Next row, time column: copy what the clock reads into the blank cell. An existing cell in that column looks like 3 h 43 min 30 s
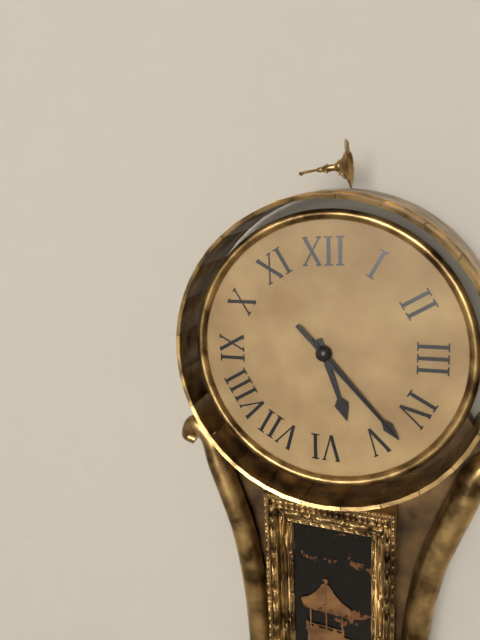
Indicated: 5 h 23 min 23 s
